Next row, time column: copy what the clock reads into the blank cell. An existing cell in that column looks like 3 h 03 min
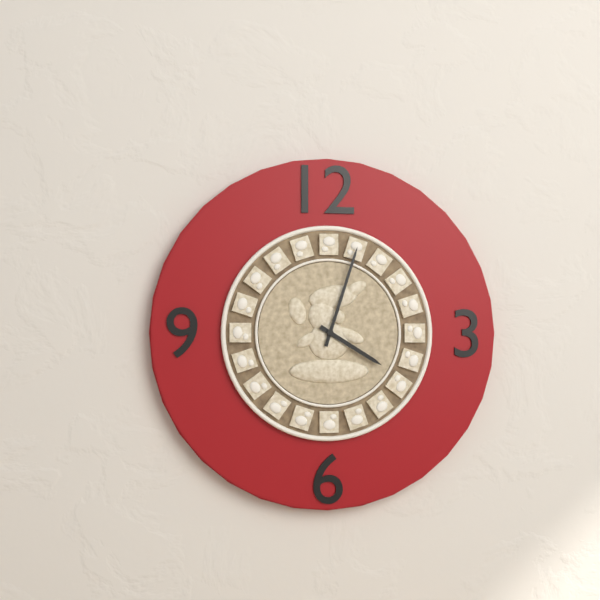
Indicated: 4 h 03 min
